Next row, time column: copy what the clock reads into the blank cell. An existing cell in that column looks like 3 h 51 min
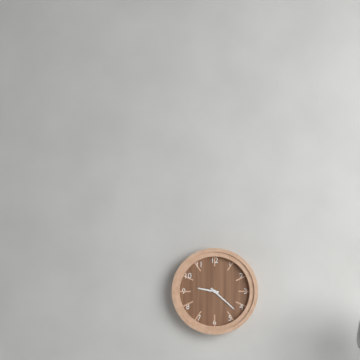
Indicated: 9 h 22 min
